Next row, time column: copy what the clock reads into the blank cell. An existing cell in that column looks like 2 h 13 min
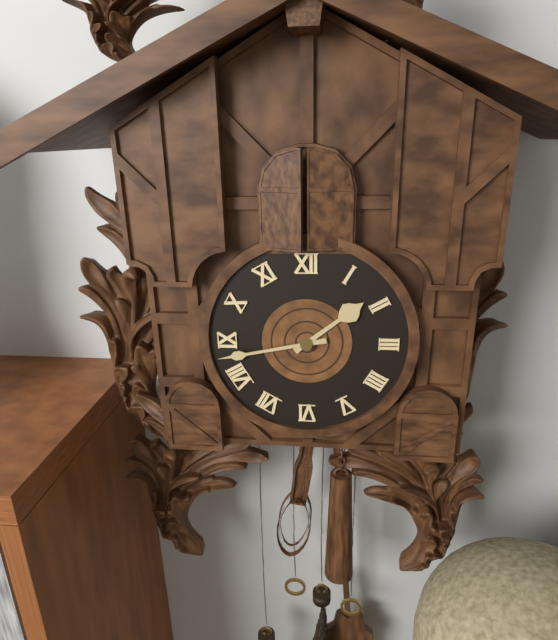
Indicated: 1 h 43 min
